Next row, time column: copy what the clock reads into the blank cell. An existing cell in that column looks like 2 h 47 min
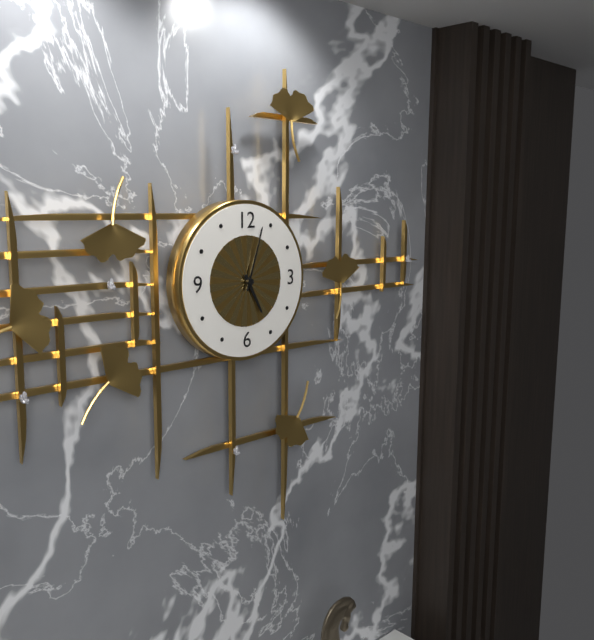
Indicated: 5 h 03 min
